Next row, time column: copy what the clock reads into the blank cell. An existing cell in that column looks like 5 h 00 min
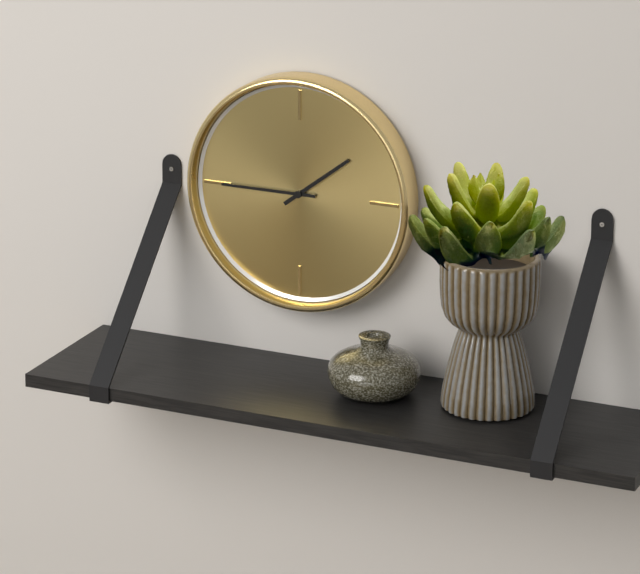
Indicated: 1 h 45 min
